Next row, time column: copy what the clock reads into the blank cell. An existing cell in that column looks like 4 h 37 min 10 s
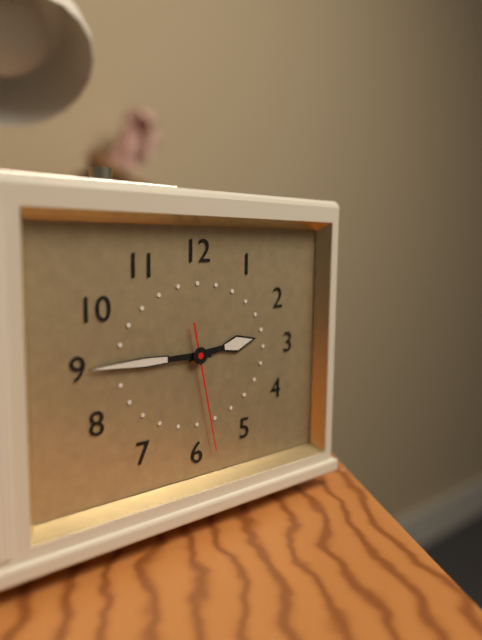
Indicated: 2 h 45 min 28 s
